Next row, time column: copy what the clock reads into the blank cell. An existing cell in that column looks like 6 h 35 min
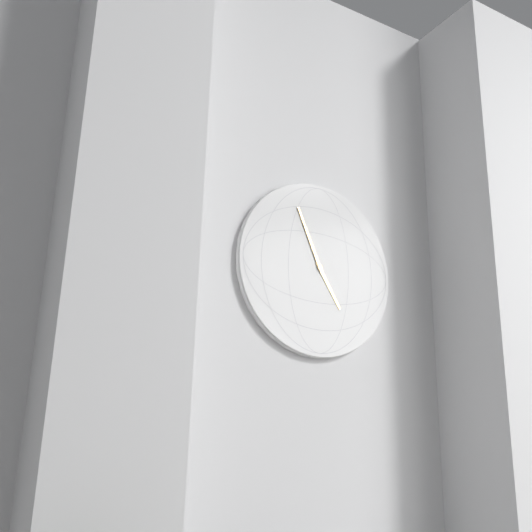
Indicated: 4 h 56 min
